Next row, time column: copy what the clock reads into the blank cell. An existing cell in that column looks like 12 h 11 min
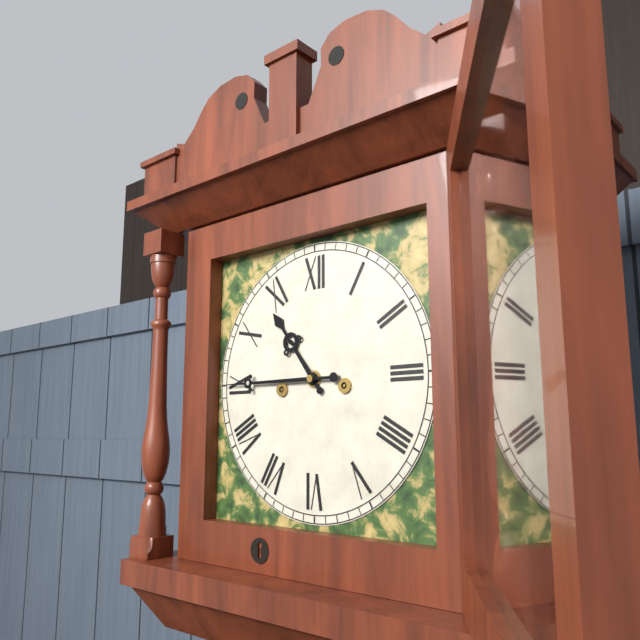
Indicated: 10 h 45 min
